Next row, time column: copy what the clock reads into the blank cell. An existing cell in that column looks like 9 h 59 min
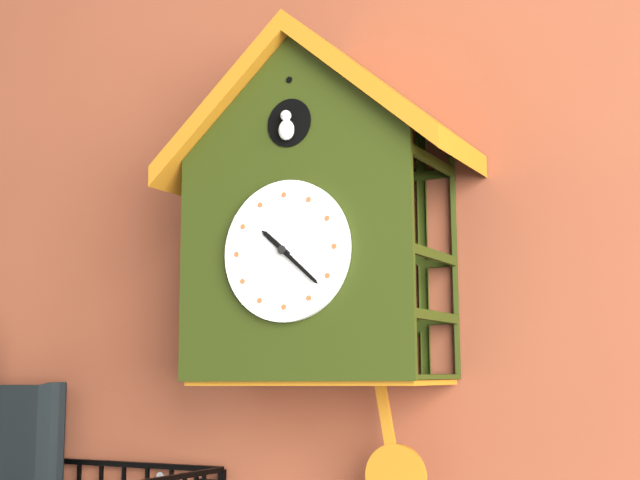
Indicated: 10 h 22 min
